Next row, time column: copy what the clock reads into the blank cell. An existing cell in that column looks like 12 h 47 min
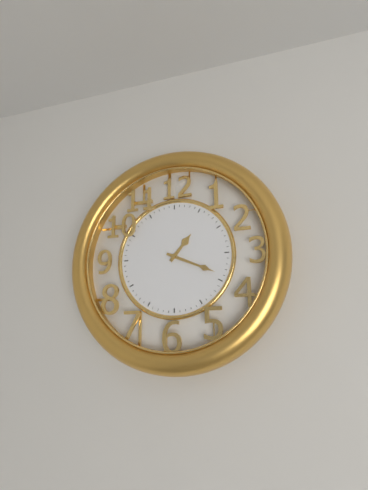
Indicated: 1 h 19 min
